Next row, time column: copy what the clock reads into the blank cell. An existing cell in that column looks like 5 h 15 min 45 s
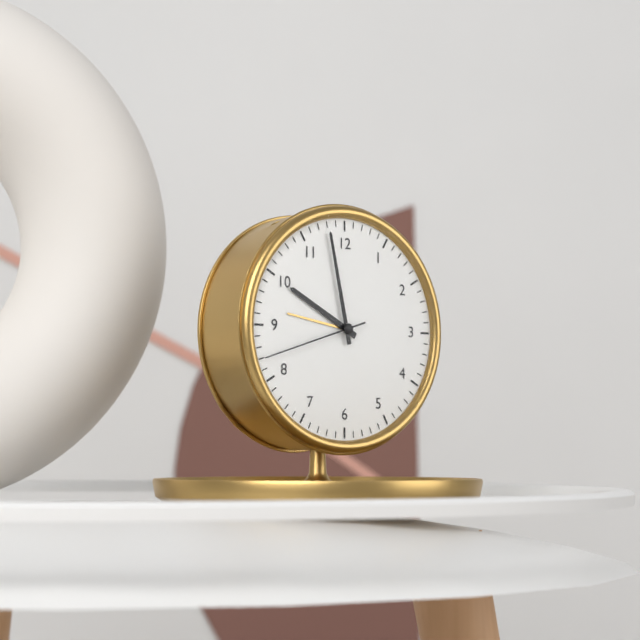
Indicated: 9 h 58 min 42 s
